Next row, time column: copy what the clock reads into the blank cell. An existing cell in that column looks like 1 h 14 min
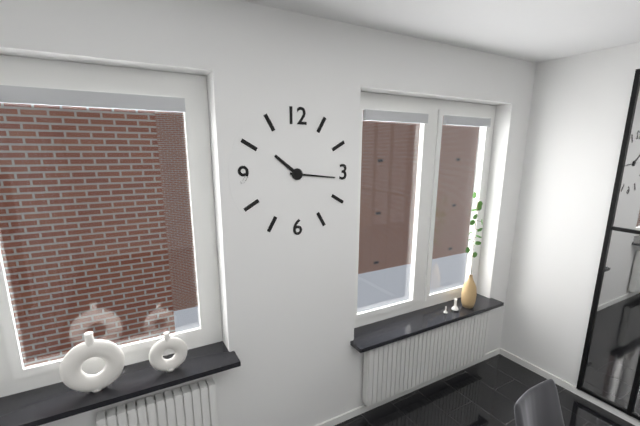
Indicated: 10 h 16 min
